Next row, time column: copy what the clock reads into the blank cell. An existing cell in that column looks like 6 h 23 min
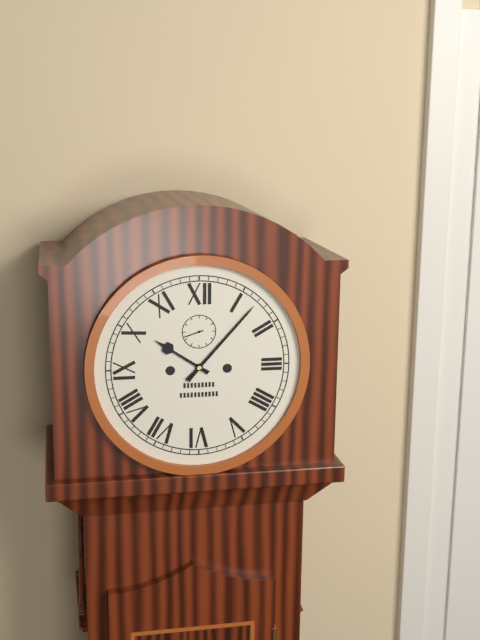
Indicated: 10 h 07 min
